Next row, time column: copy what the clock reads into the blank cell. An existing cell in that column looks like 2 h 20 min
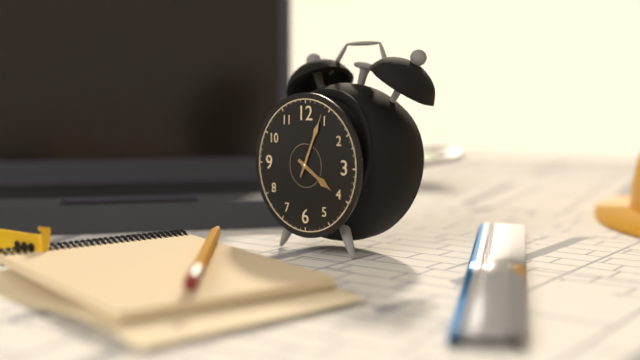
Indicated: 4 h 04 min
